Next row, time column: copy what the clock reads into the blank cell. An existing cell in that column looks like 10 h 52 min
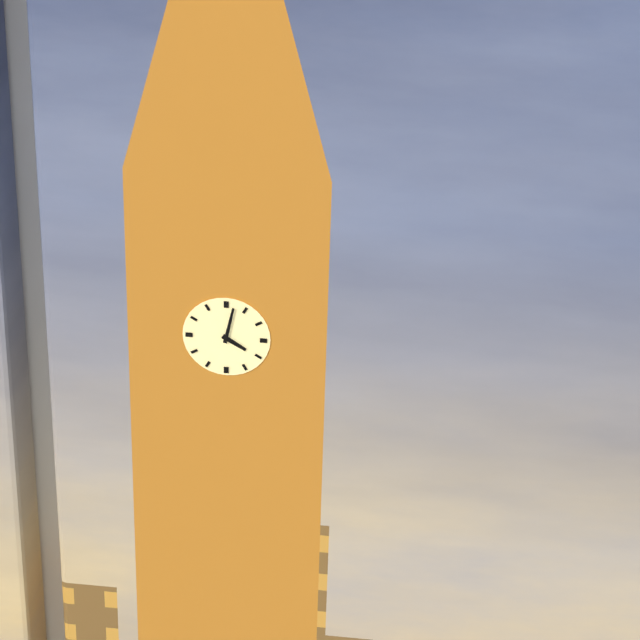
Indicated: 4 h 02 min
